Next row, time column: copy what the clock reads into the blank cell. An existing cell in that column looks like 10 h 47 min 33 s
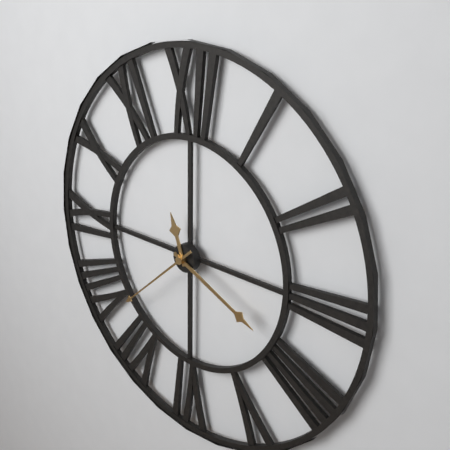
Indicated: 11 h 19 min 38 s
